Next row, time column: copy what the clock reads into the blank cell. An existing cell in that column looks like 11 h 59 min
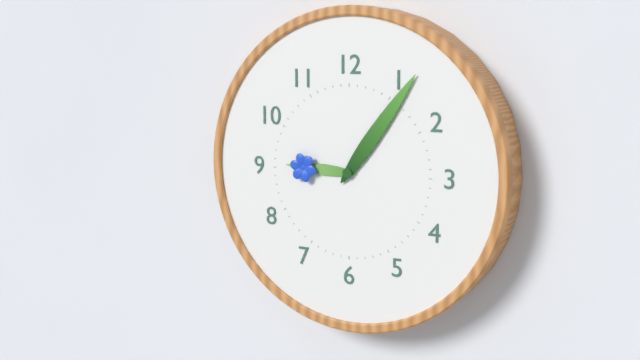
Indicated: 9 h 06 min
